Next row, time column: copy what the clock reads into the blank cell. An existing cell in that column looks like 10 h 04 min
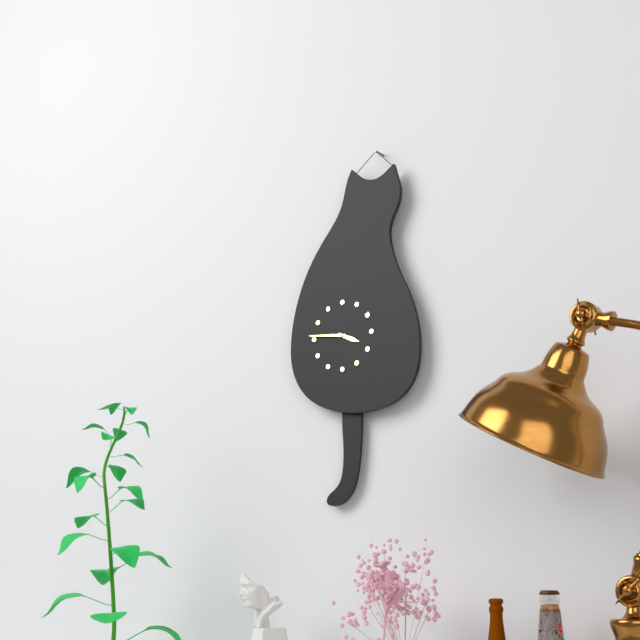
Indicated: 3 h 46 min
